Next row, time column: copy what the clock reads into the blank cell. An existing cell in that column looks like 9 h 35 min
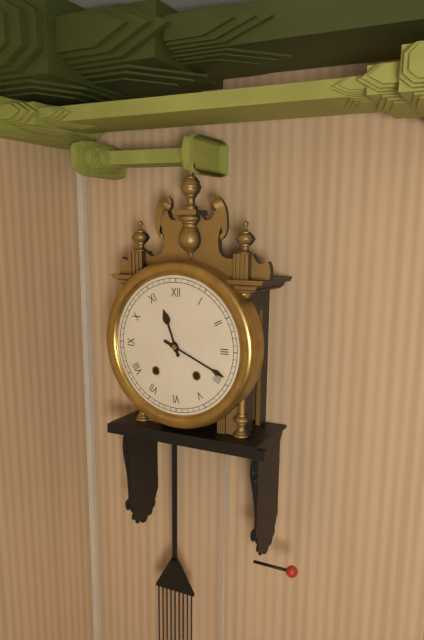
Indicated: 11 h 19 min
